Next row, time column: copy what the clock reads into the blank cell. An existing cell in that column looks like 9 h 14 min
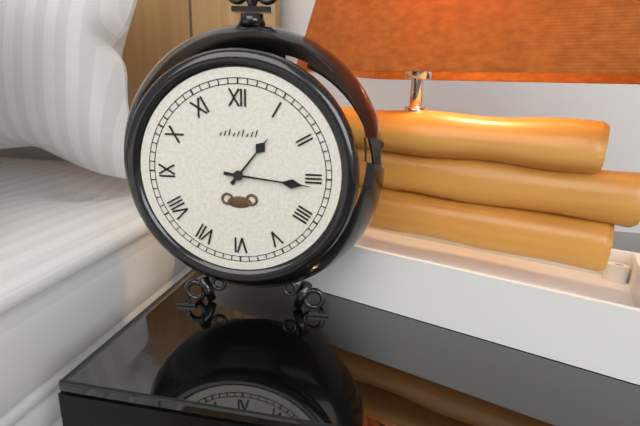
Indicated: 1 h 16 min
